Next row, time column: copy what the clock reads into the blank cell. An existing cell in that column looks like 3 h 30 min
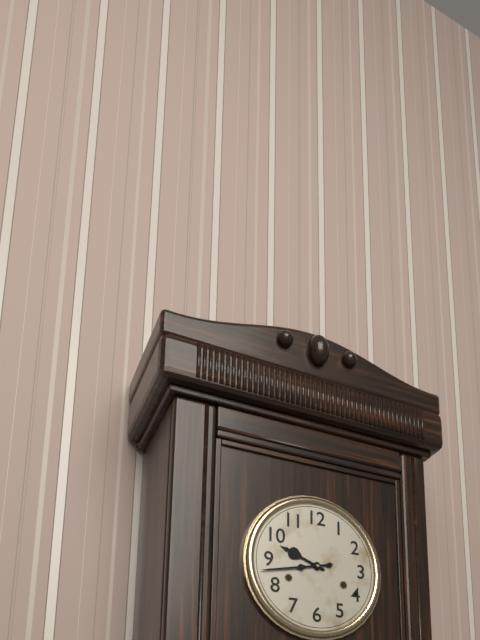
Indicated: 9 h 43 min
